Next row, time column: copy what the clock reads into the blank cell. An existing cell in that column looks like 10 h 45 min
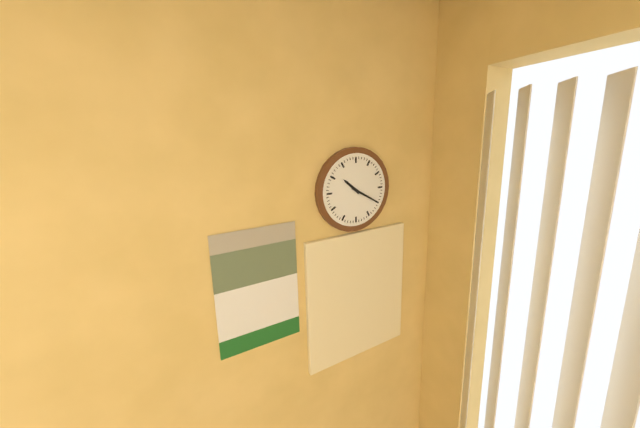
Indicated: 10 h 20 min
